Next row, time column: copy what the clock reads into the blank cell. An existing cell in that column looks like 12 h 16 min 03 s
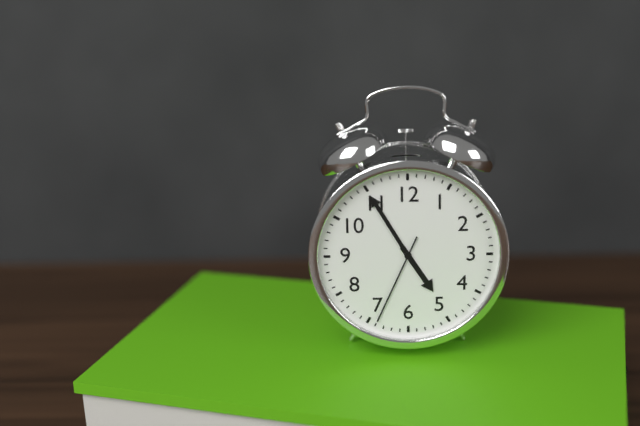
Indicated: 4 h 55 min 34 s
